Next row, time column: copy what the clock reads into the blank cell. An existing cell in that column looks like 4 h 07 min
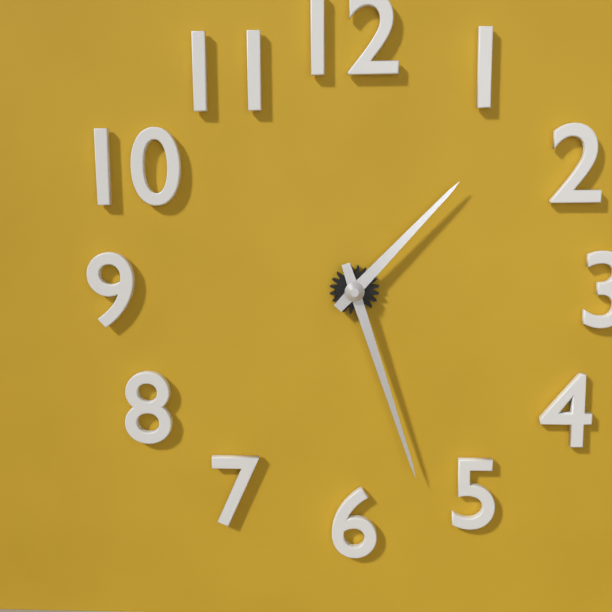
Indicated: 1 h 27 min
